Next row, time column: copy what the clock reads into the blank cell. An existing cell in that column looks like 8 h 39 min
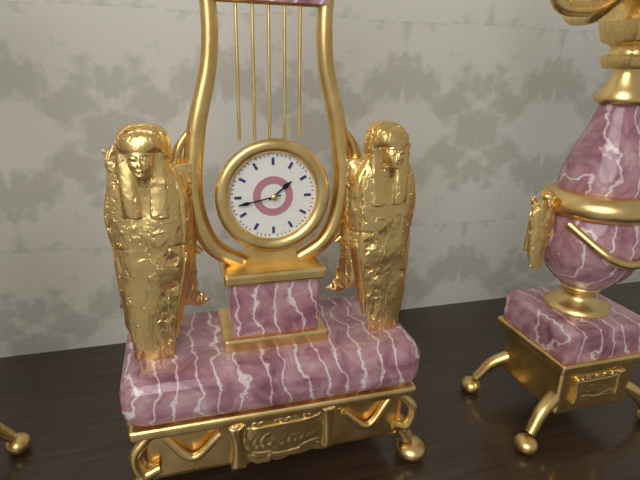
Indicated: 1 h 43 min
